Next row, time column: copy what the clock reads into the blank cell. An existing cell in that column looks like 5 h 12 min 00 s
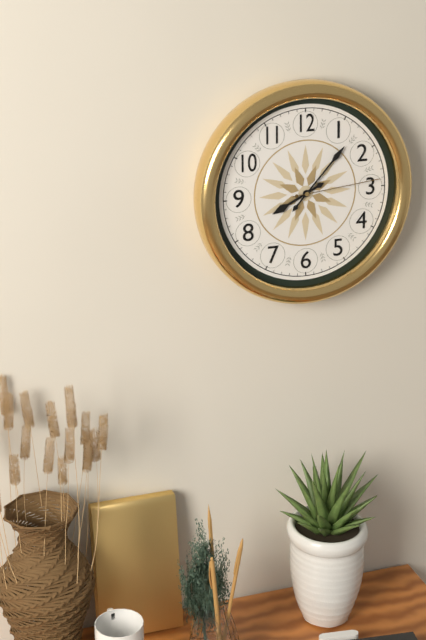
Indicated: 8 h 07 min 14 s
